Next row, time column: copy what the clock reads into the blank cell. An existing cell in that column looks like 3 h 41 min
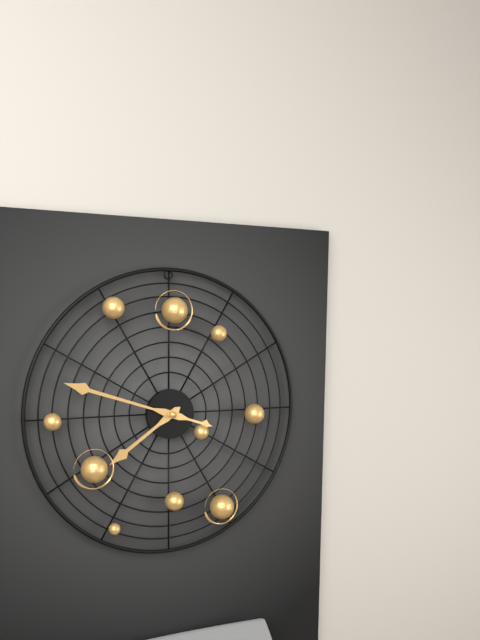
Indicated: 7 h 48 min
